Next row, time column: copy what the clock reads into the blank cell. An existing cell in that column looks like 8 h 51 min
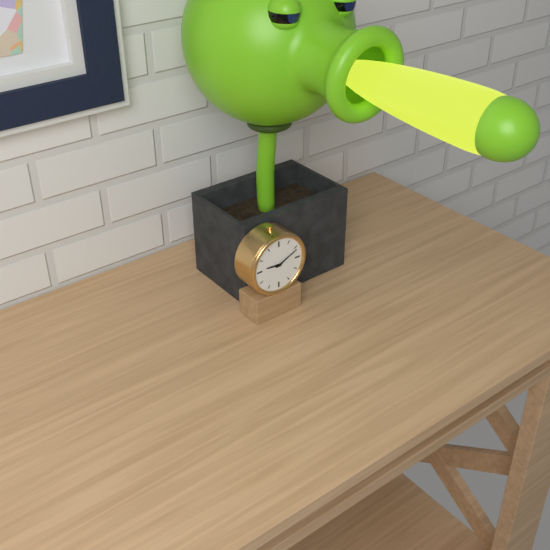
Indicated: 9 h 11 min
